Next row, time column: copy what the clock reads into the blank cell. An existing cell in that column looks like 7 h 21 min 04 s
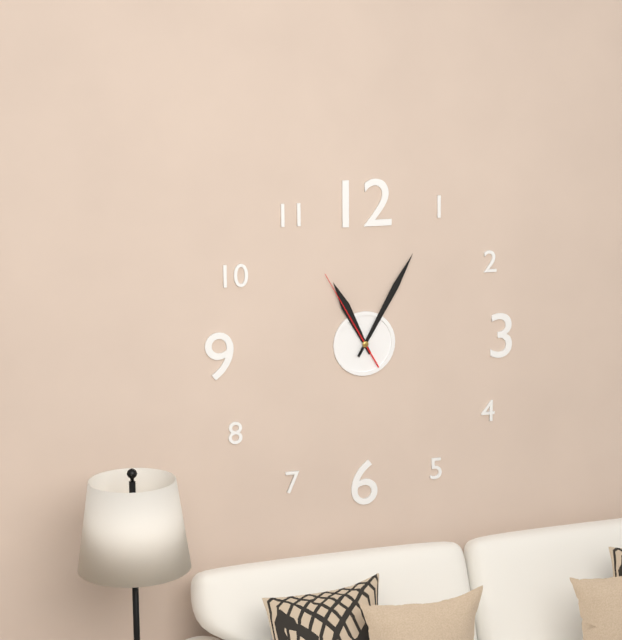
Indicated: 11 h 05 min 55 s
